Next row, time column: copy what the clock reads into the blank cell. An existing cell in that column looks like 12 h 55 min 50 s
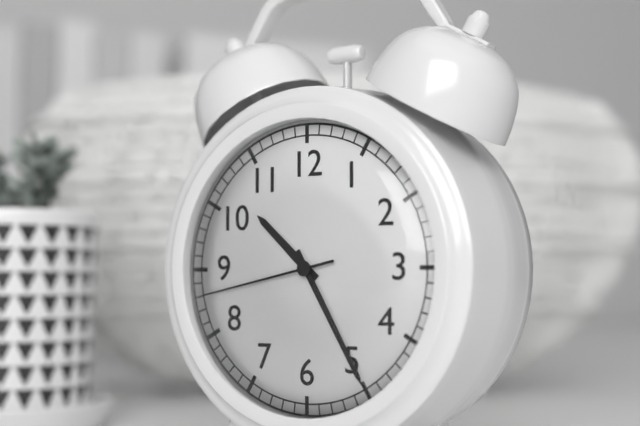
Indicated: 10 h 25 min 43 s
